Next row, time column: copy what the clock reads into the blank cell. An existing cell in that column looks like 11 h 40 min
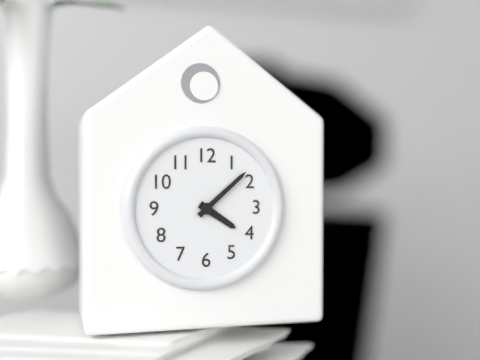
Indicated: 4 h 08 min
